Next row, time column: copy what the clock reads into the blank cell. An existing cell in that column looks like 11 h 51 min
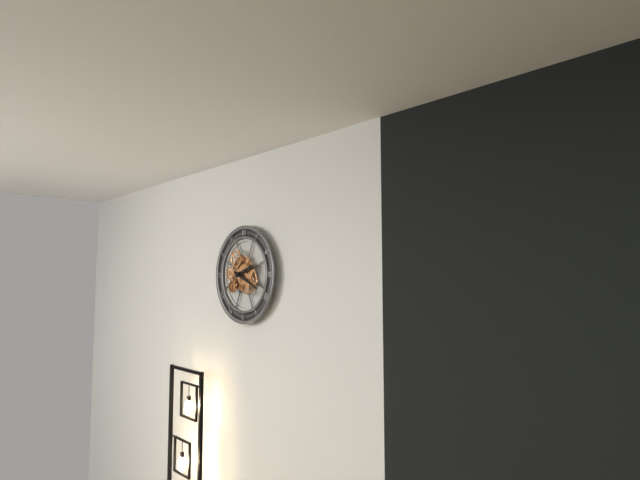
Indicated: 2 h 19 min
